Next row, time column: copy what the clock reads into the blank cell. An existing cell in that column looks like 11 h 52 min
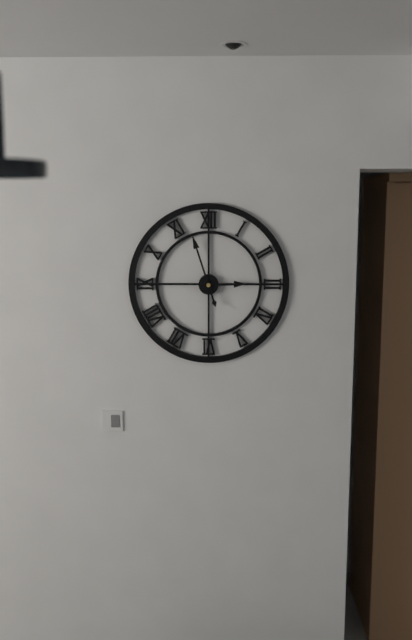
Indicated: 2 h 57 min
